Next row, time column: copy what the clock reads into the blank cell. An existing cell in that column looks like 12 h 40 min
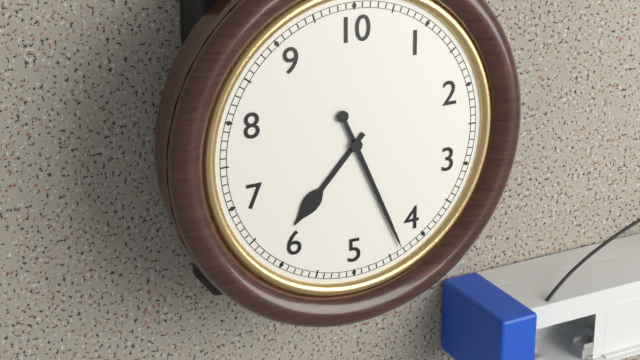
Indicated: 7 h 26 min
